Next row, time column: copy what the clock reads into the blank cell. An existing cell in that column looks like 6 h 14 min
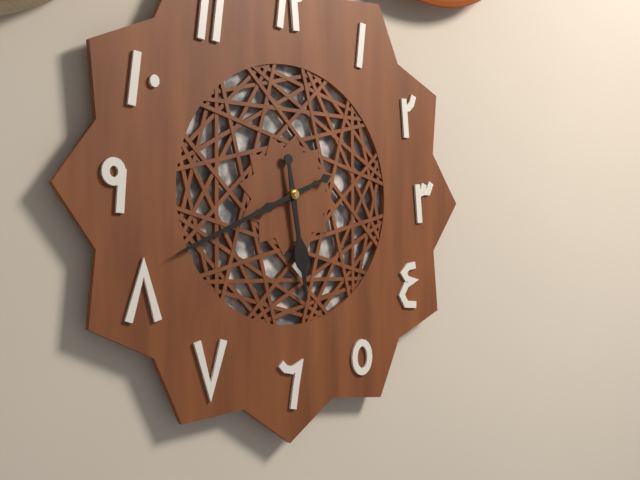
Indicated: 5 h 41 min
